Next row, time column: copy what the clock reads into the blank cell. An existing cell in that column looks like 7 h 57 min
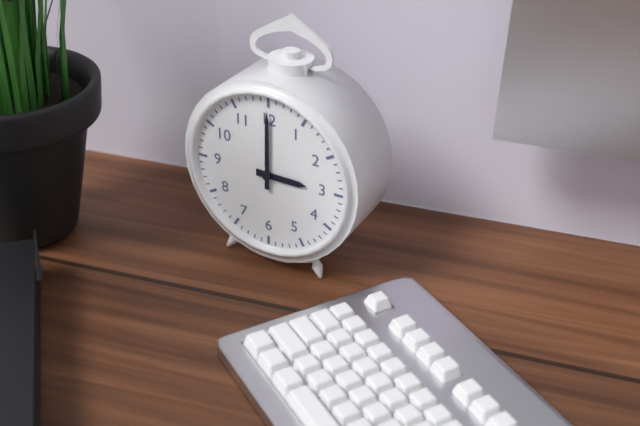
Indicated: 3 h 00 min
